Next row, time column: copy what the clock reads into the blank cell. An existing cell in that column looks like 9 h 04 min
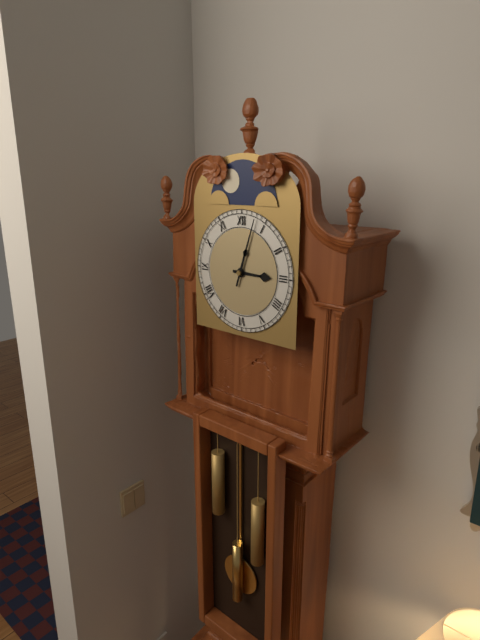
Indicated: 3 h 03 min
